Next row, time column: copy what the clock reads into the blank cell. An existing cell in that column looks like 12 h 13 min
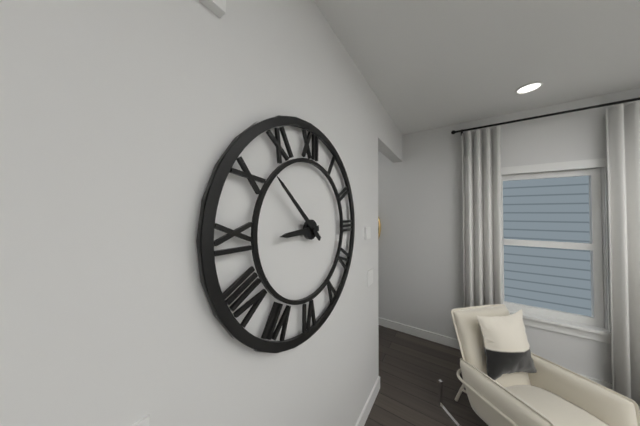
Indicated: 8 h 52 min
